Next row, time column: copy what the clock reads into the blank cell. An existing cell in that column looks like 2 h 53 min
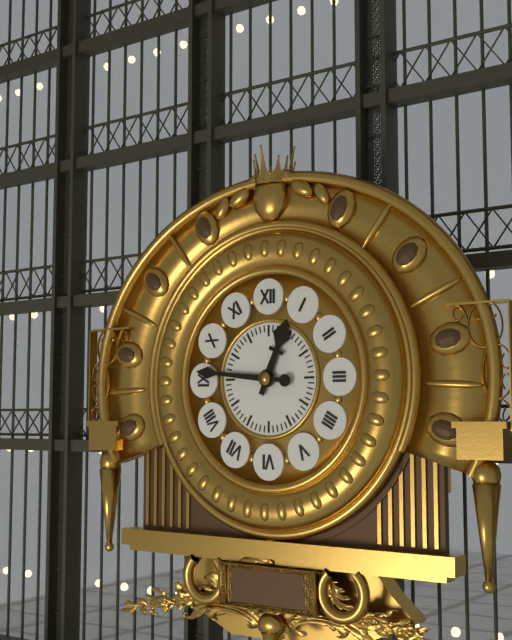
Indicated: 12 h 46 min
